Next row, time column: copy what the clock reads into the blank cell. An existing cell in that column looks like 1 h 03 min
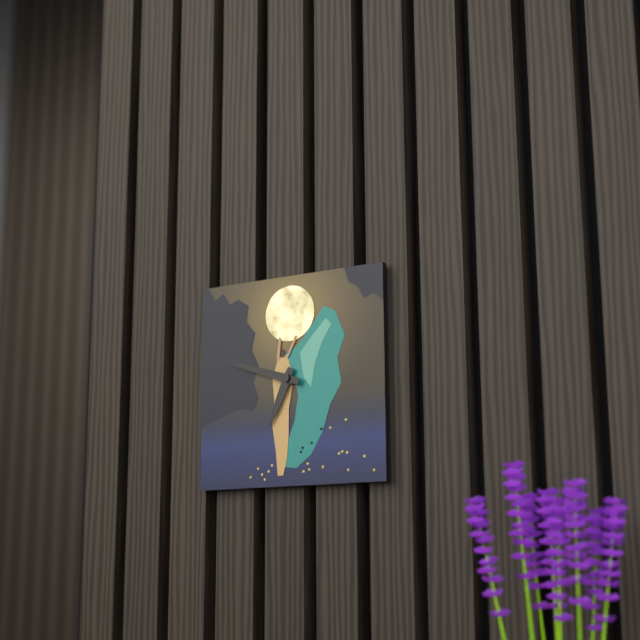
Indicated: 6 h 48 min
